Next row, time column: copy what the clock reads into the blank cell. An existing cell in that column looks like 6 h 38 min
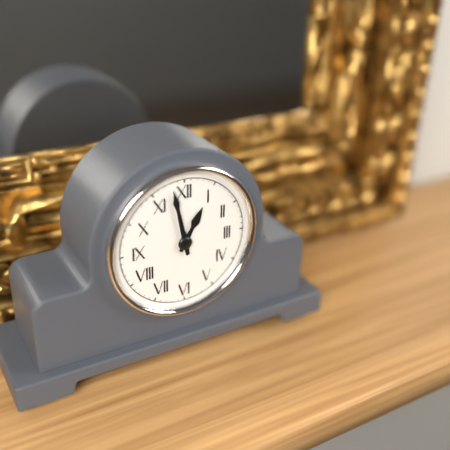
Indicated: 12 h 58 min
